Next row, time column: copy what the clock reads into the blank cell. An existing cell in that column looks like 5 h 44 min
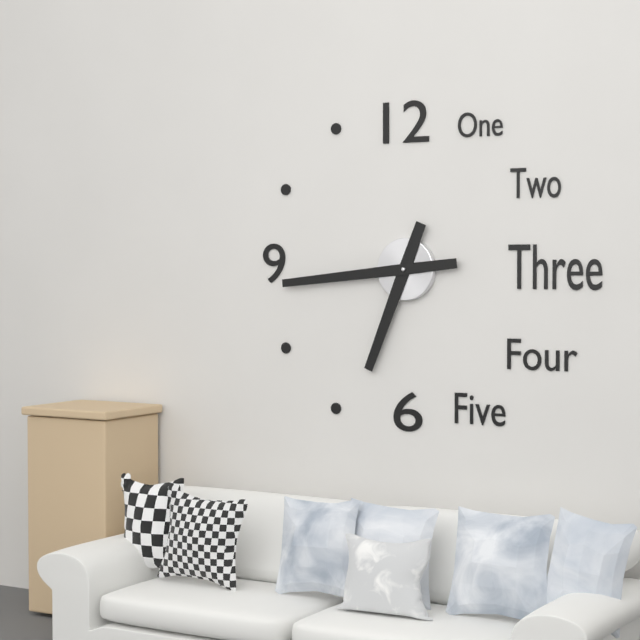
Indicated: 6 h 44 min
